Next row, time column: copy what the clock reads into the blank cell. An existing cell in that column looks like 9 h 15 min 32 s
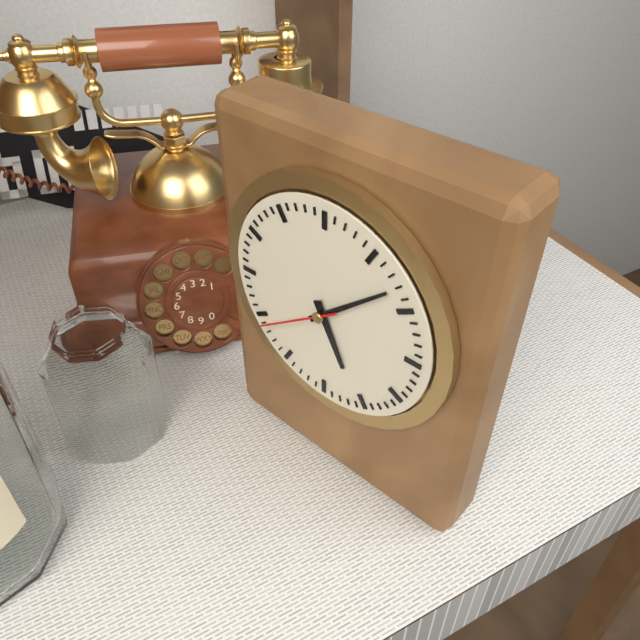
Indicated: 5 h 08 min 39 s
